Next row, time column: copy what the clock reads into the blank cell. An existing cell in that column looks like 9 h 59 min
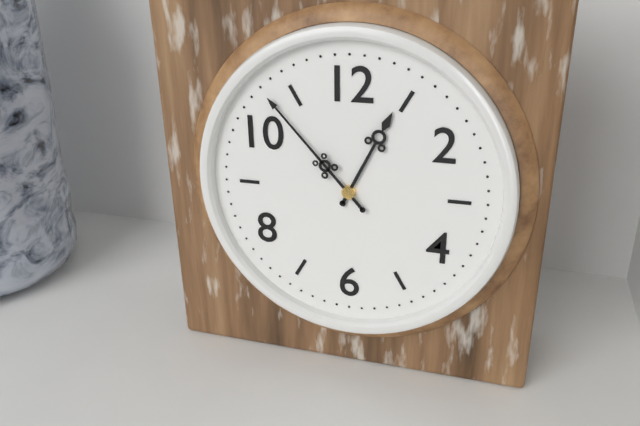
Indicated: 12 h 53 min
